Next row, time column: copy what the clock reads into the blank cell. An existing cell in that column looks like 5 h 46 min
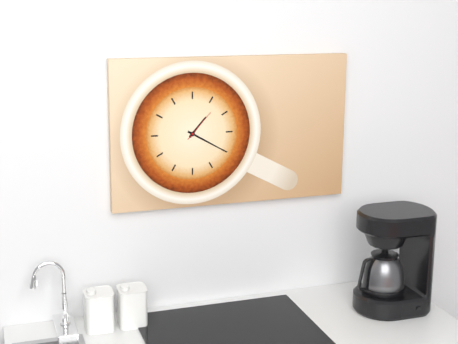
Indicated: 1 h 20 min
